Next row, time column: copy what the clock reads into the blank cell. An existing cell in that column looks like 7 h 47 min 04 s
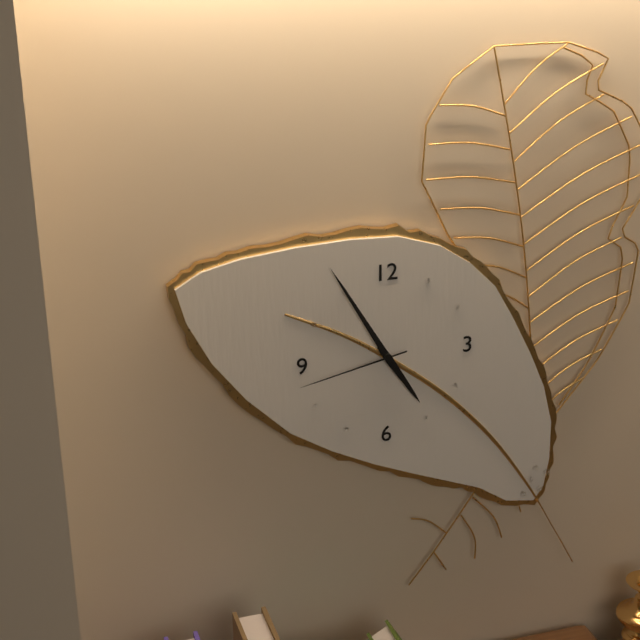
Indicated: 4 h 55 min 43 s
